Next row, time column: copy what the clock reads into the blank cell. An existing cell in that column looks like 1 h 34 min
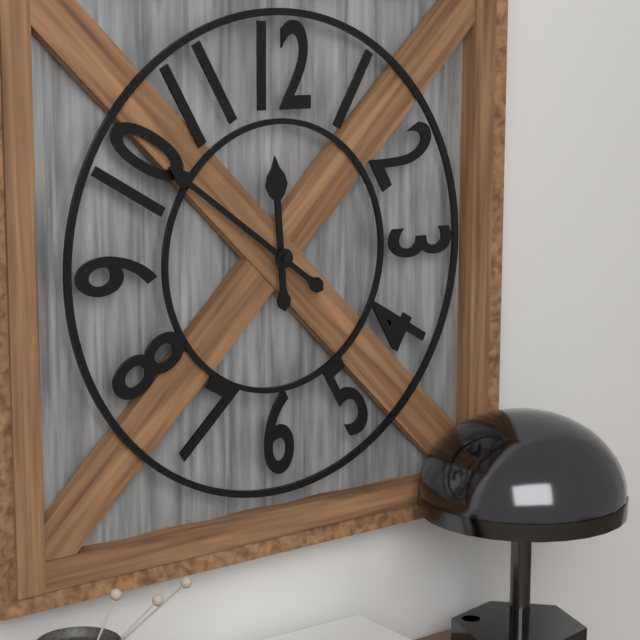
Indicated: 11 h 51 min
